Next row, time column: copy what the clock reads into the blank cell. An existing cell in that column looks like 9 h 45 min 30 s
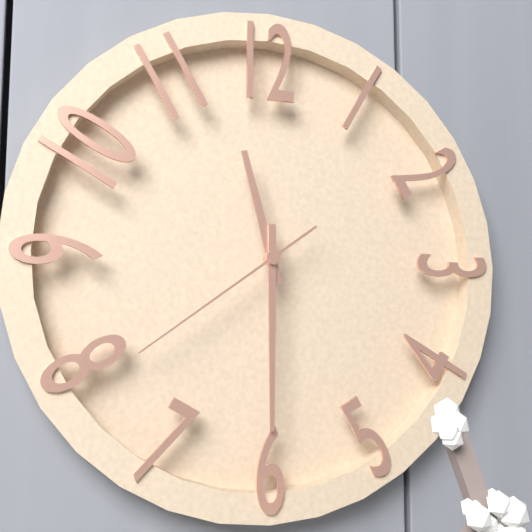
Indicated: 11 h 30 min 39 s
